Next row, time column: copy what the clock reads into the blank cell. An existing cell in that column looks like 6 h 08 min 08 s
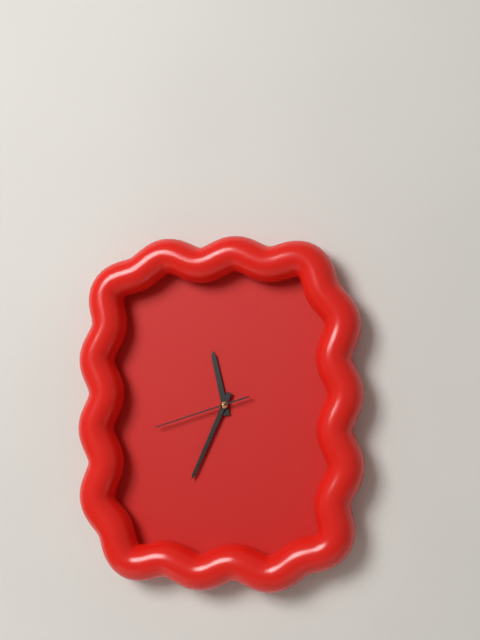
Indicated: 11 h 34 min 42 s
